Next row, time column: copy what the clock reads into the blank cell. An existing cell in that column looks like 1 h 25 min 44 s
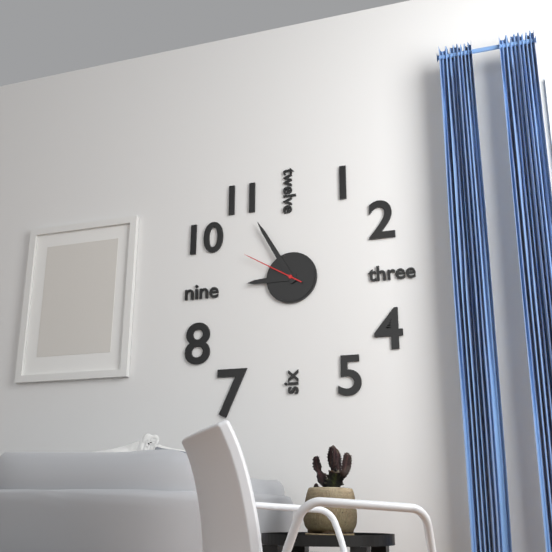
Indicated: 8 h 55 min 50 s
